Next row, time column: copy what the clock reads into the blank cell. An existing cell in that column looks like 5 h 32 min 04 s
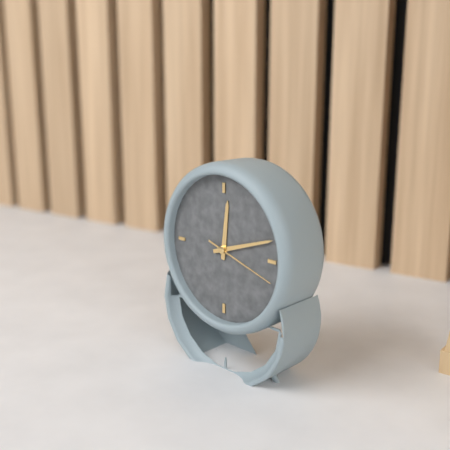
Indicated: 12 h 12 min 18 s
